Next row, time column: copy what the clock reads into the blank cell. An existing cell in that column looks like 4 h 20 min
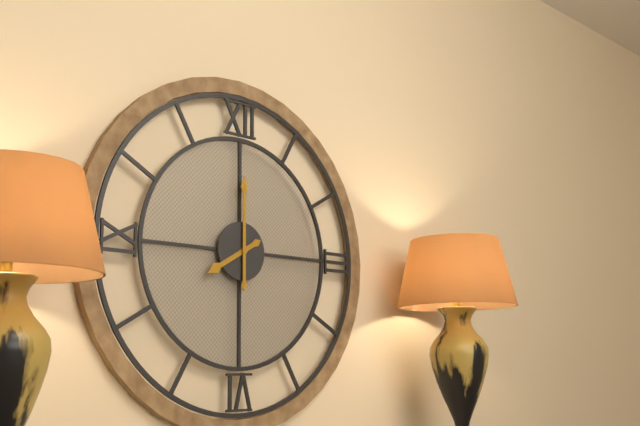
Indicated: 8 h 00 min
